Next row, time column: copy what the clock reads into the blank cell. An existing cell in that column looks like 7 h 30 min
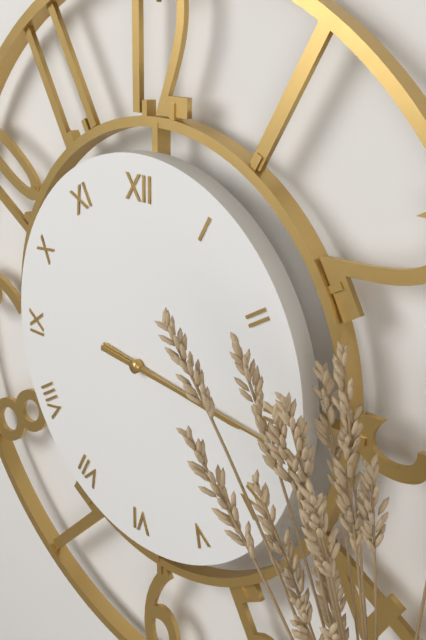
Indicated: 3 h 16 min
